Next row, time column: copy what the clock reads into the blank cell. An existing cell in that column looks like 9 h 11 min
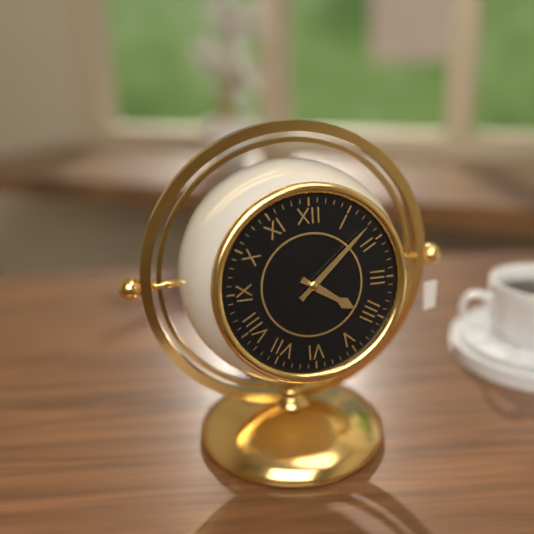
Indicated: 4 h 08 min
